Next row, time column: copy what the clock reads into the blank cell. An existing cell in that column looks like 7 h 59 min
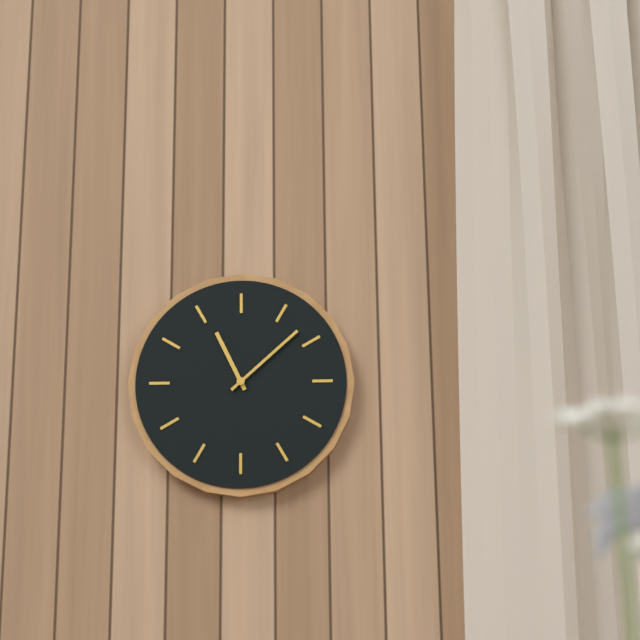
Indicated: 11 h 08 min
